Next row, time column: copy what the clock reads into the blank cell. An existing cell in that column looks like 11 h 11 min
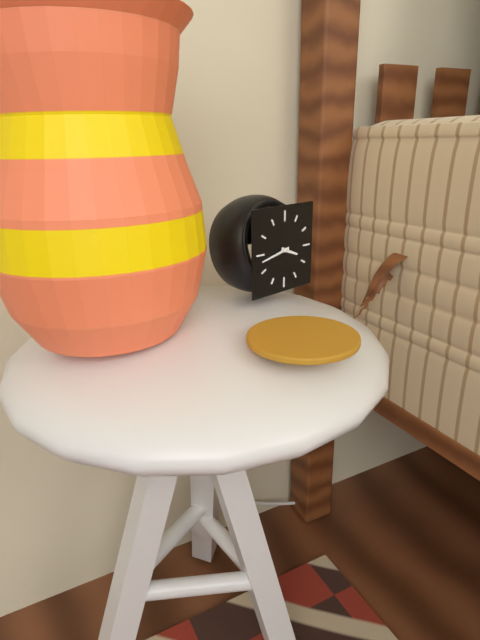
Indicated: 3 h 43 min
